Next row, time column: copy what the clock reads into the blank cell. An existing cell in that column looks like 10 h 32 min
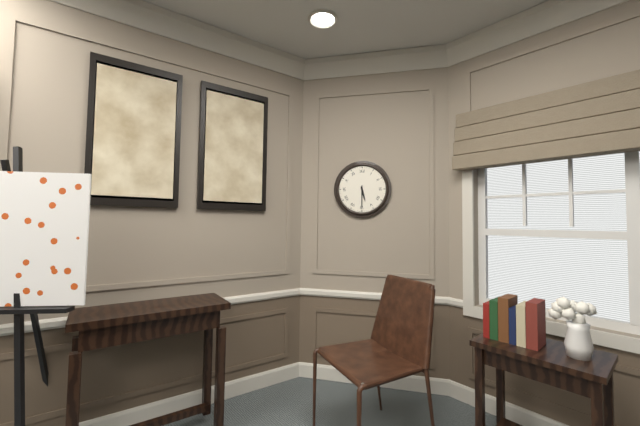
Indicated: 5 h 30 min
